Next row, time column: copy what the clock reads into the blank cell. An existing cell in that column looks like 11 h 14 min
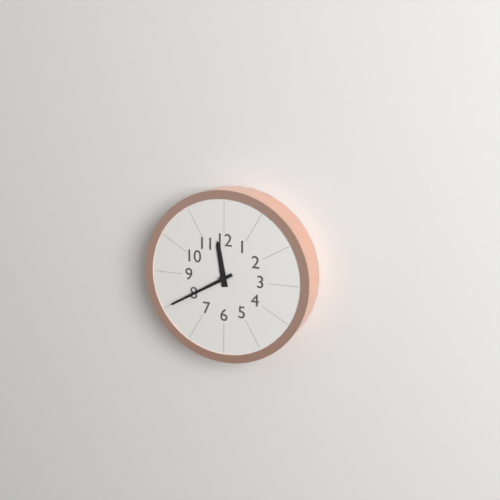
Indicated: 11 h 40 min
